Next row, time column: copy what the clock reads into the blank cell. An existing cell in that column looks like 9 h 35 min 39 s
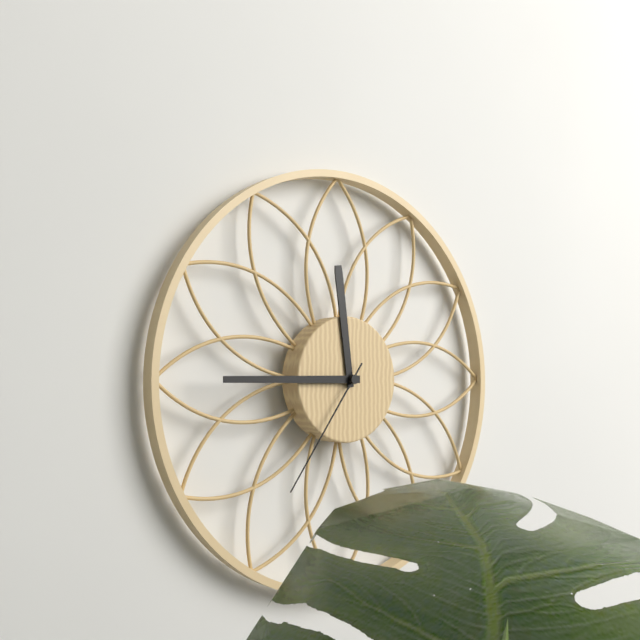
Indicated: 11 h 45 min 36 s
